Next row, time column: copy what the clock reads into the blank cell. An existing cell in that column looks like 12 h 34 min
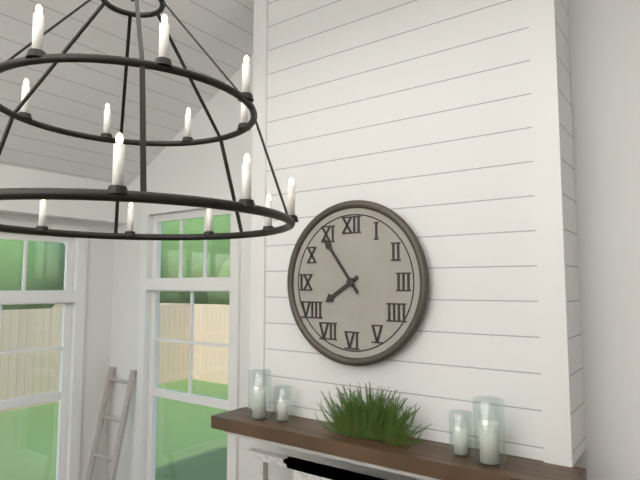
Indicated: 7 h 54 min
